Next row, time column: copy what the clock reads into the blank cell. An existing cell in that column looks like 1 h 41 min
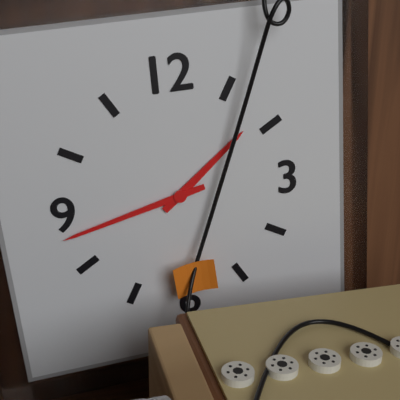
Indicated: 1 h 43 min
